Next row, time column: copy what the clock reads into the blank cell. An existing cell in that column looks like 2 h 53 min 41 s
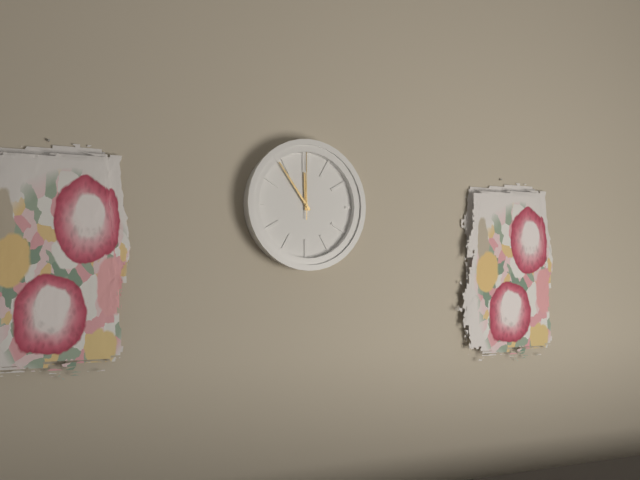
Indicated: 11 h 54 min 00 s
